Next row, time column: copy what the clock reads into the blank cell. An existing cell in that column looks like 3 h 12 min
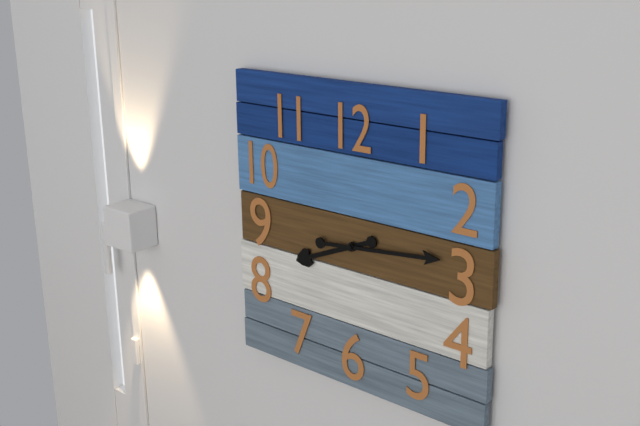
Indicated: 8 h 14 min
